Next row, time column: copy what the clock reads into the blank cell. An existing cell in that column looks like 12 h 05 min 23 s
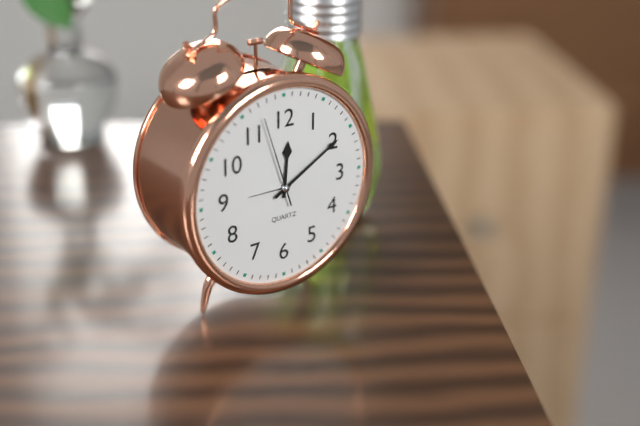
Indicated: 12 h 10 min 57 s
